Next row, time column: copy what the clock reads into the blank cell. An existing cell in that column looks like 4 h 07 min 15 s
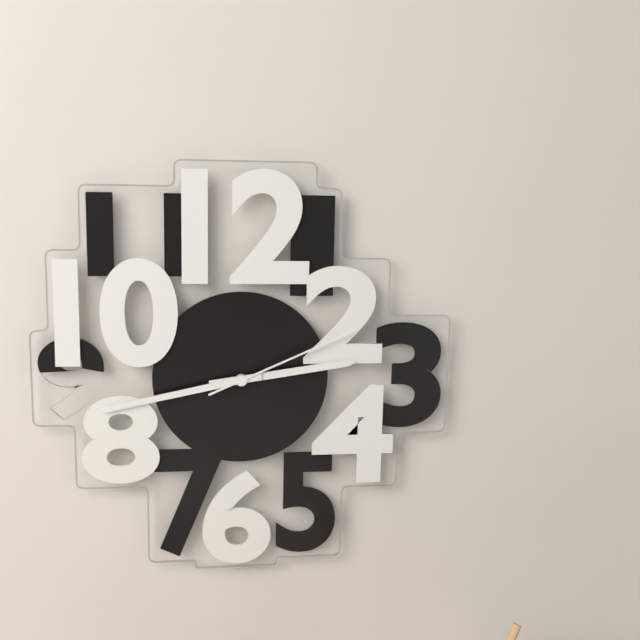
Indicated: 2 h 43 min 11 s
